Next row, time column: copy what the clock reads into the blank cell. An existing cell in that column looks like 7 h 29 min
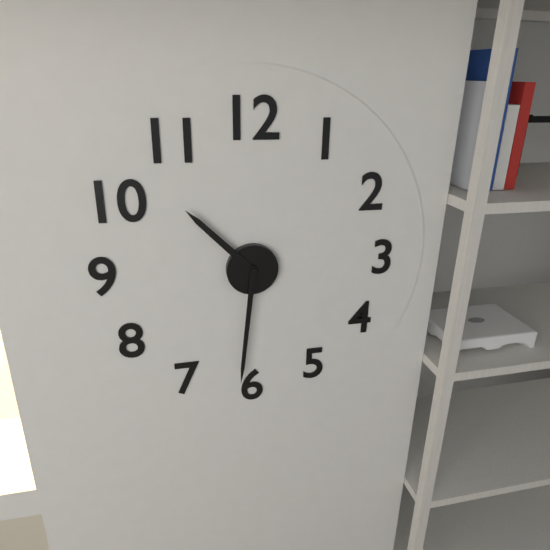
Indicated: 10 h 31 min
